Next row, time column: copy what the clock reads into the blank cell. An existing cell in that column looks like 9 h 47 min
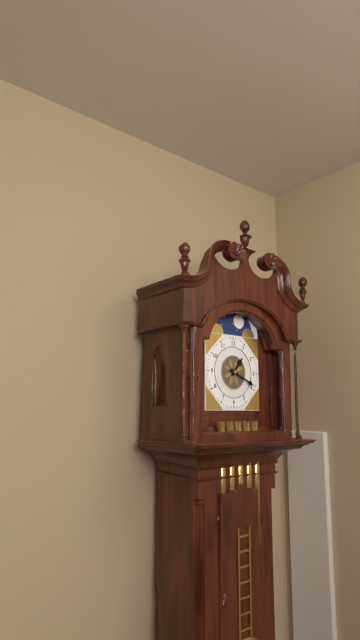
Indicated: 1 h 19 min
